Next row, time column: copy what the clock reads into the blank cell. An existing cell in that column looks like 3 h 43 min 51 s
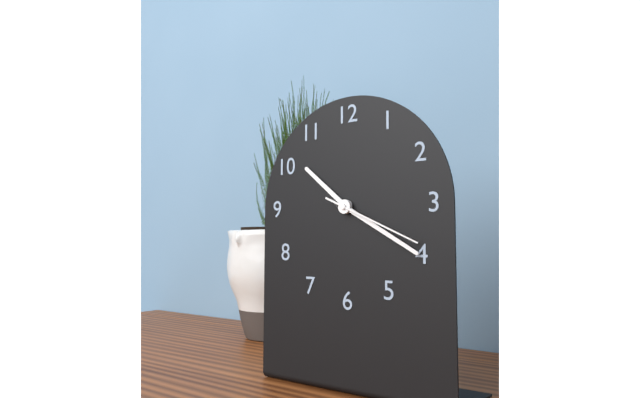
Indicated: 10 h 20 min 19 s
